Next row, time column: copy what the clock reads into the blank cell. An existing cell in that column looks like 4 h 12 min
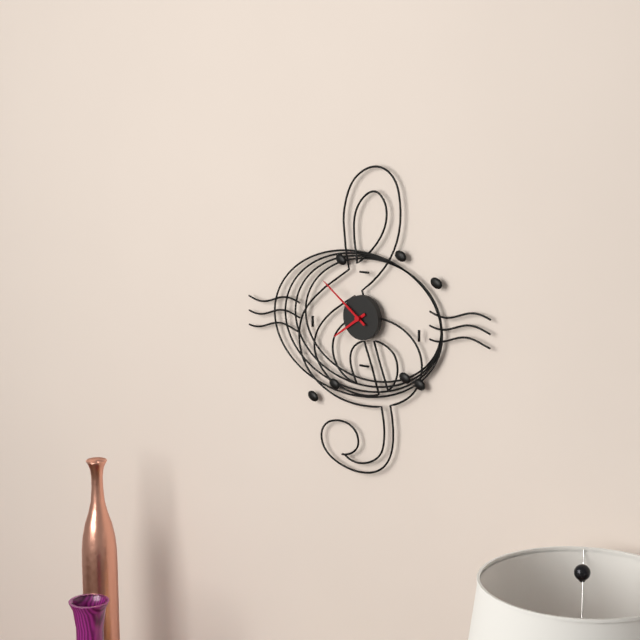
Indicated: 7 h 51 min
